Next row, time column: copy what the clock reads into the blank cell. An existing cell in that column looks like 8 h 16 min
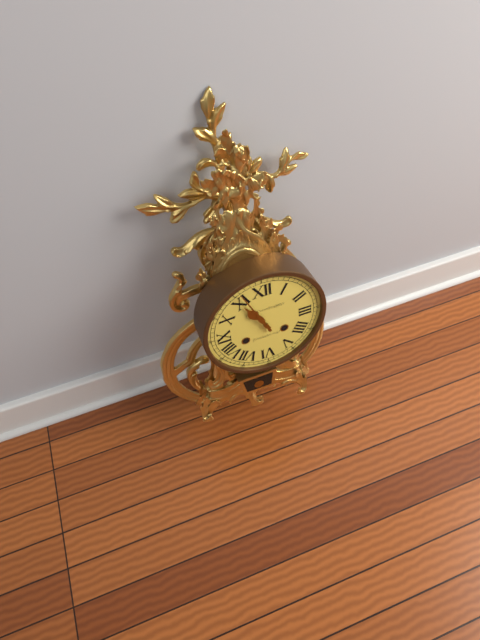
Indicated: 10 h 56 min
